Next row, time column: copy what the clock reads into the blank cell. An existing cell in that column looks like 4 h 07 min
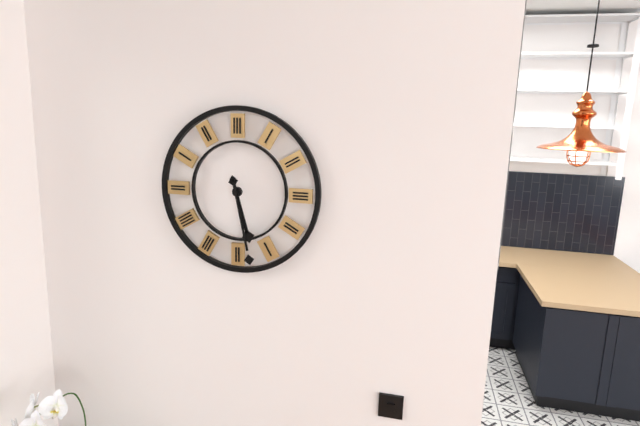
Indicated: 5 h 28 min
